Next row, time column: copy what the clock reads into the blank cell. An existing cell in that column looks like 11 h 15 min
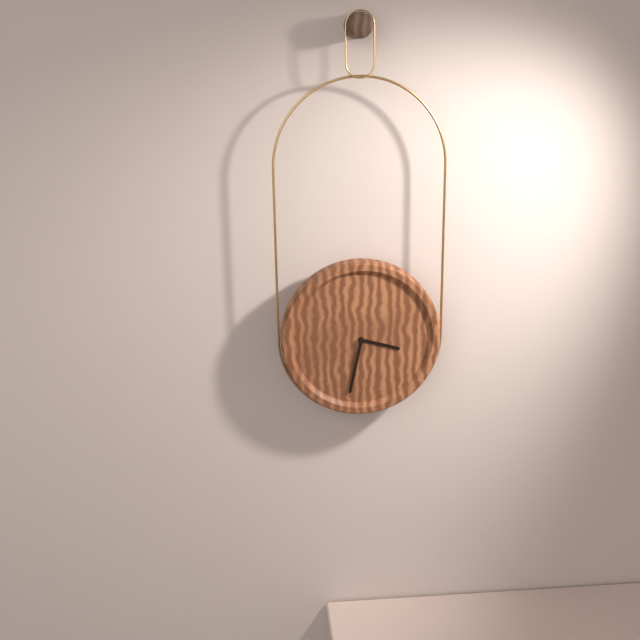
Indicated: 3 h 32 min
